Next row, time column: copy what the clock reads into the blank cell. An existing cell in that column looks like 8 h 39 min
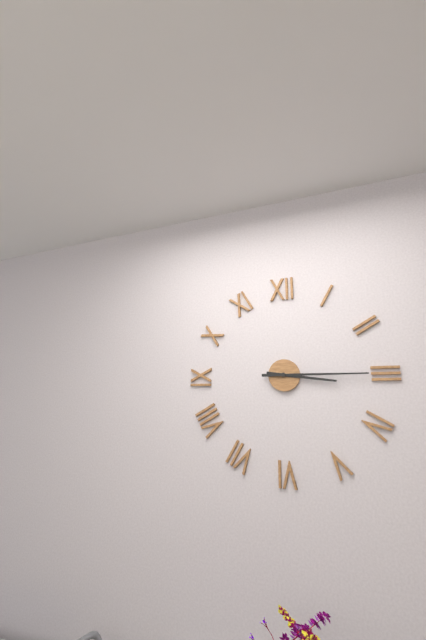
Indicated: 3 h 15 min
